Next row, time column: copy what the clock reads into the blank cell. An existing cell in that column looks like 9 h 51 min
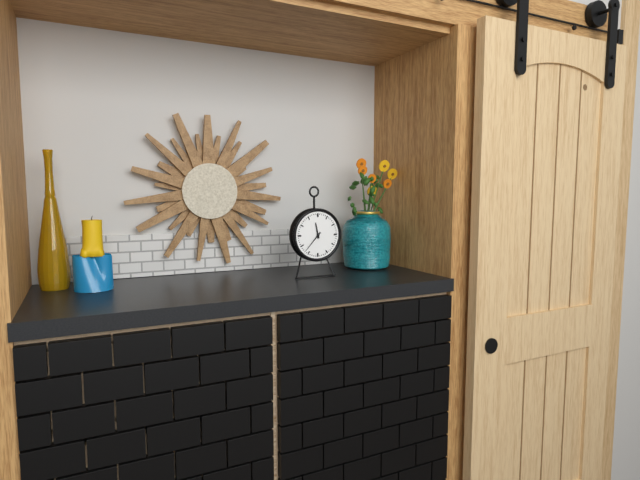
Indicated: 11 h 37 min
